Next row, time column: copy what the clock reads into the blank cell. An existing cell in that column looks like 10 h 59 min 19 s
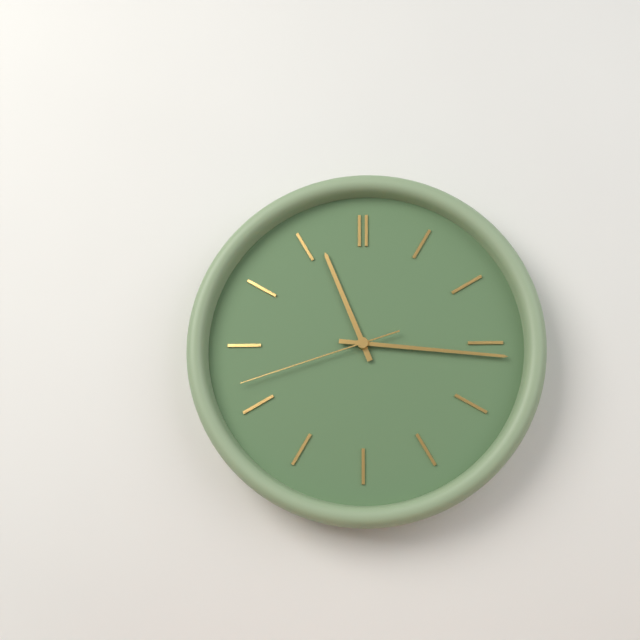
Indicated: 11 h 16 min 42 s
